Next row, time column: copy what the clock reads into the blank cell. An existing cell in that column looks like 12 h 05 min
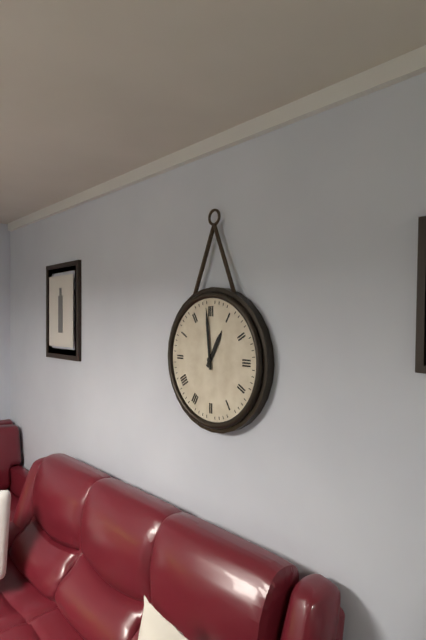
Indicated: 12 h 59 min
